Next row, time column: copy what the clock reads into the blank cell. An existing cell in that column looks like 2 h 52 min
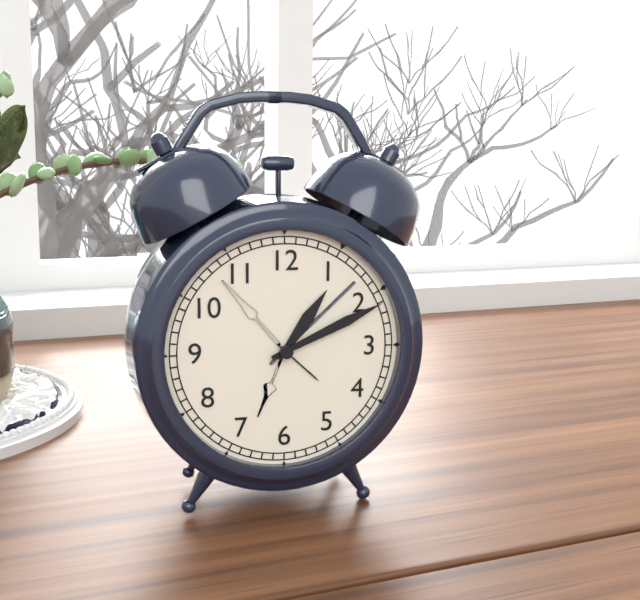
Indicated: 1 h 11 min
